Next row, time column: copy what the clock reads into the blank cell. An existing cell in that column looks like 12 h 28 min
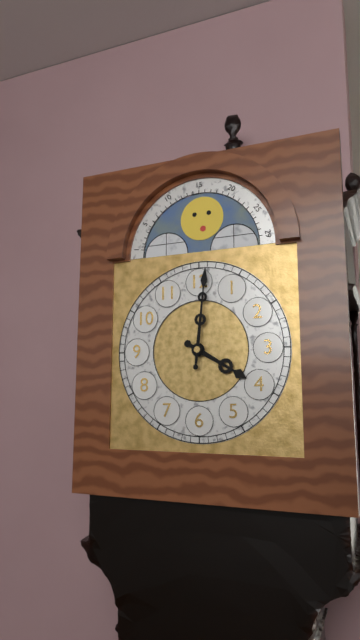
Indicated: 4 h 01 min
